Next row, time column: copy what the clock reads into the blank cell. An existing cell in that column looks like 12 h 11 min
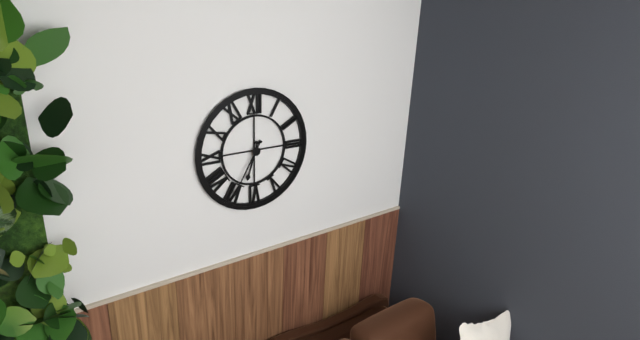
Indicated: 6 h 35 min
